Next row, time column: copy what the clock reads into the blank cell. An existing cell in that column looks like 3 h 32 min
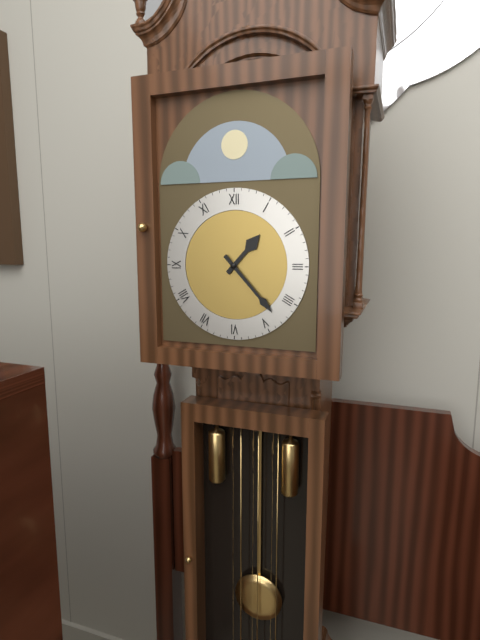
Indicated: 1 h 23 min
